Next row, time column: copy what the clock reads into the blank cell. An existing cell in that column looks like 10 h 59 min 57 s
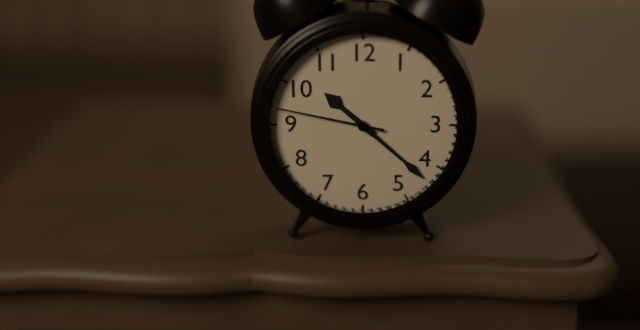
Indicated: 10 h 22 min 47 s
